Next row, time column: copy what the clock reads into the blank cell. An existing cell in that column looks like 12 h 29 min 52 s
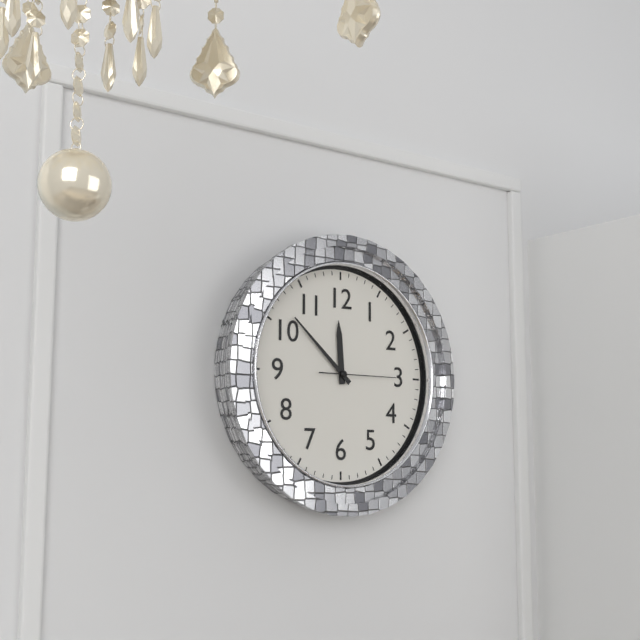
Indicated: 11 h 52 min 15 s
